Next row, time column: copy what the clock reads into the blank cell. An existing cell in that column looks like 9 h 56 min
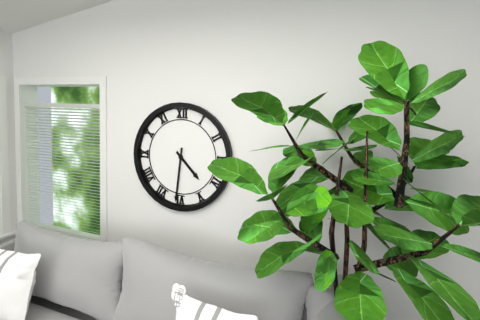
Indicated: 4 h 31 min
